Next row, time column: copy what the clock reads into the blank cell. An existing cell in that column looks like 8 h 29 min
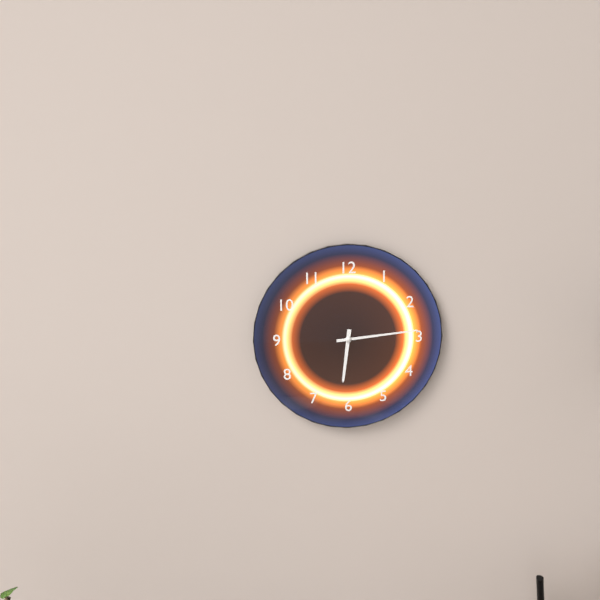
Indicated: 6 h 14 min
